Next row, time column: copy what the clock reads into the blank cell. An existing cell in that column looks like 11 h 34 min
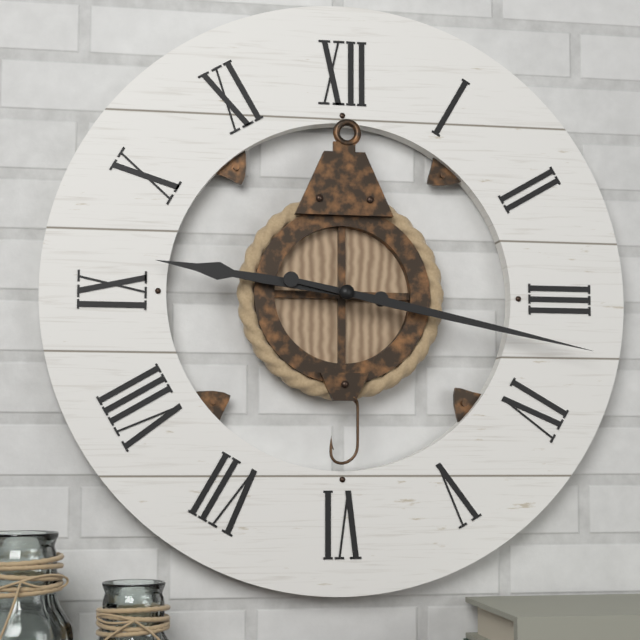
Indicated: 9 h 17 min
